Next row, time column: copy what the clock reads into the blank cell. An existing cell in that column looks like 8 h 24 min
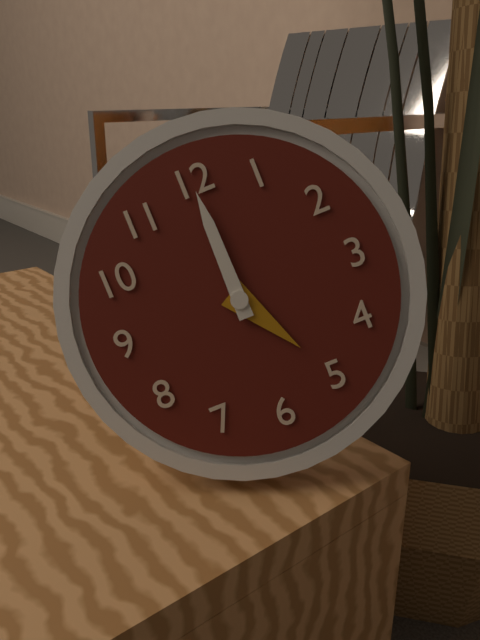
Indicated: 5 h 00 min
